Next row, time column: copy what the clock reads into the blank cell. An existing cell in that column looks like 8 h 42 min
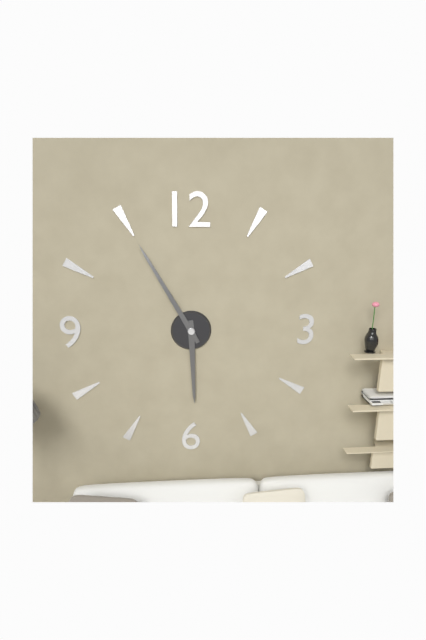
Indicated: 5 h 55 min
